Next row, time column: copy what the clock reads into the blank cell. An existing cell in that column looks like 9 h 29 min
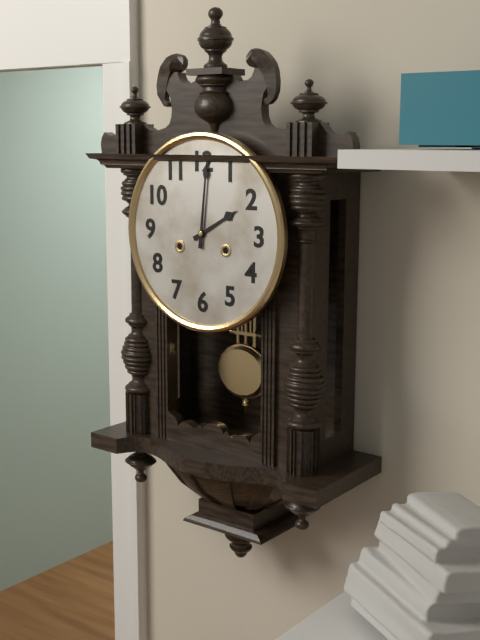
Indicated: 2 h 01 min
